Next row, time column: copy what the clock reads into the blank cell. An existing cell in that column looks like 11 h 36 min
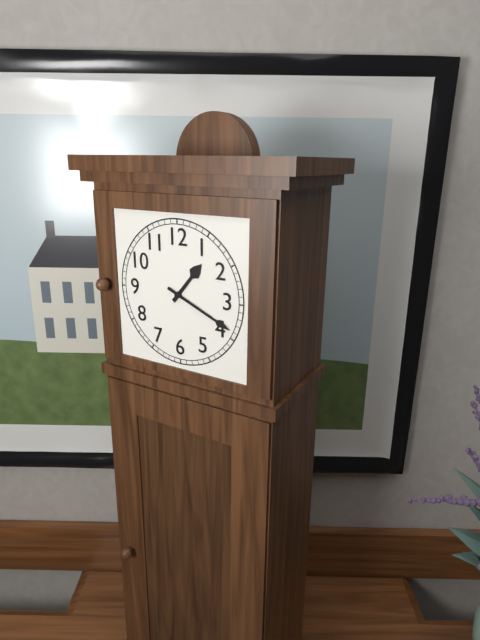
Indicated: 1 h 19 min
